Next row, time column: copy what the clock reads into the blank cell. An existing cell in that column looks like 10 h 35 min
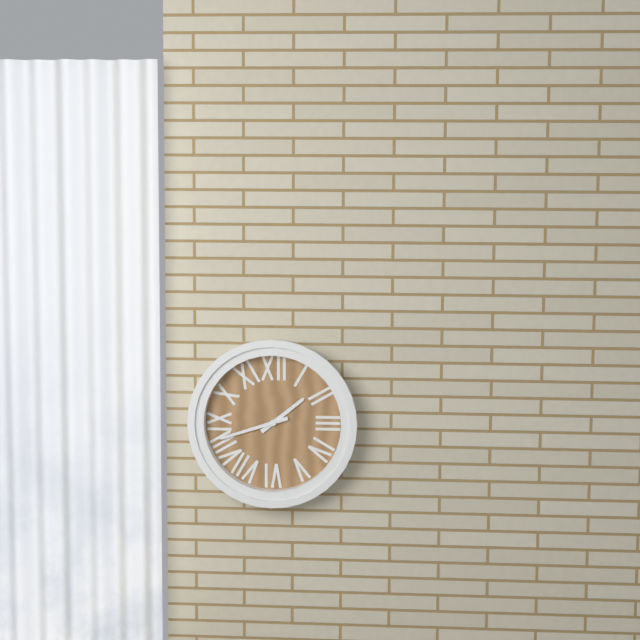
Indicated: 1 h 42 min
